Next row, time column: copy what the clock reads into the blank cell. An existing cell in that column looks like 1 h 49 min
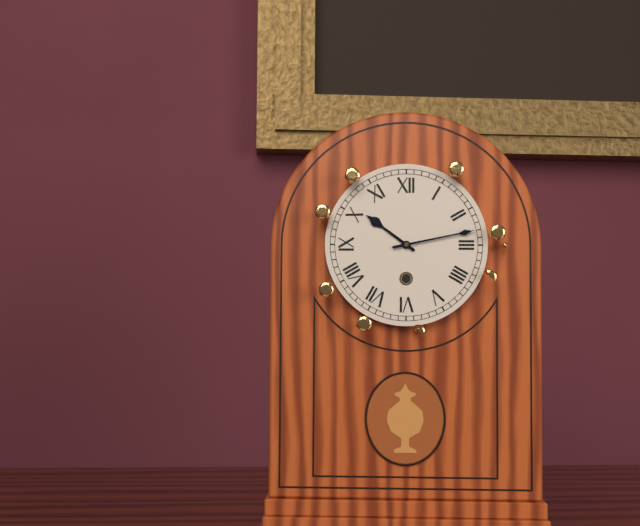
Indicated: 10 h 13 min
